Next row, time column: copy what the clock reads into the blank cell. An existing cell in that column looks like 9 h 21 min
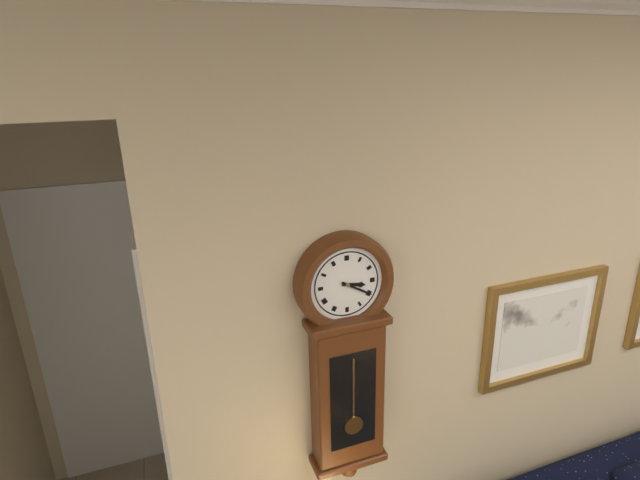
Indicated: 3 h 20 min
